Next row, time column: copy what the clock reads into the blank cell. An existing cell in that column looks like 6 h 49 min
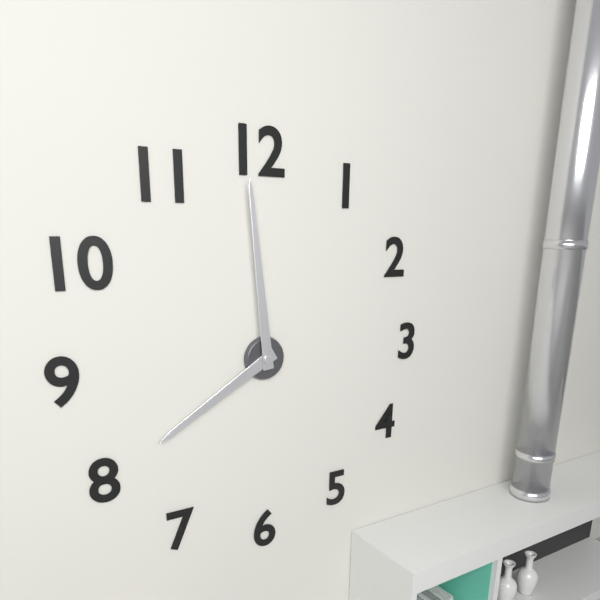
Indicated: 7 h 59 min
